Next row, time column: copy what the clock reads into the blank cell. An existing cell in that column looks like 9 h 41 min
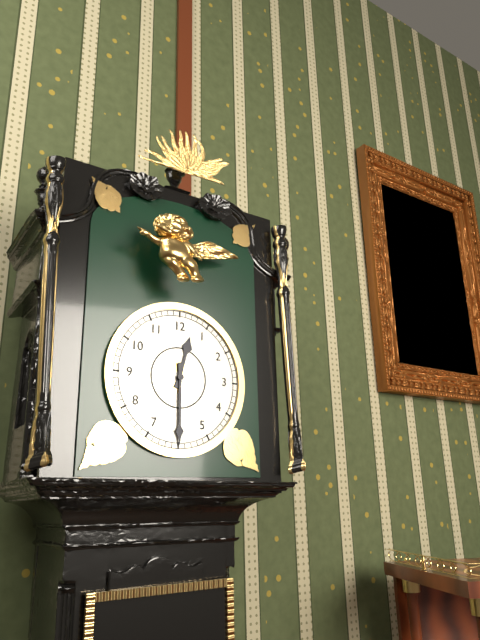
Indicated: 12 h 30 min
